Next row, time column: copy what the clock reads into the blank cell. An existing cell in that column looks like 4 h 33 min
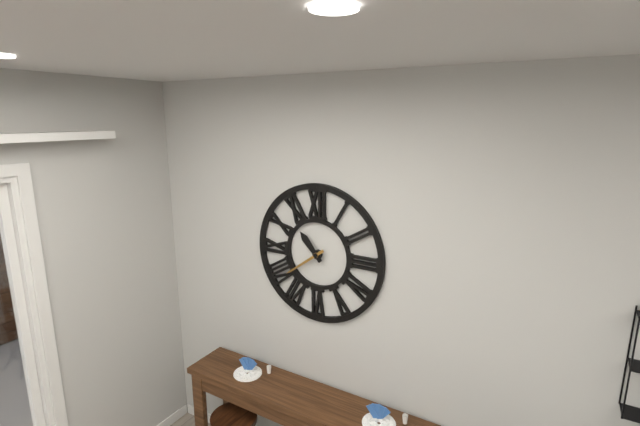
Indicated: 10 h 39 min
